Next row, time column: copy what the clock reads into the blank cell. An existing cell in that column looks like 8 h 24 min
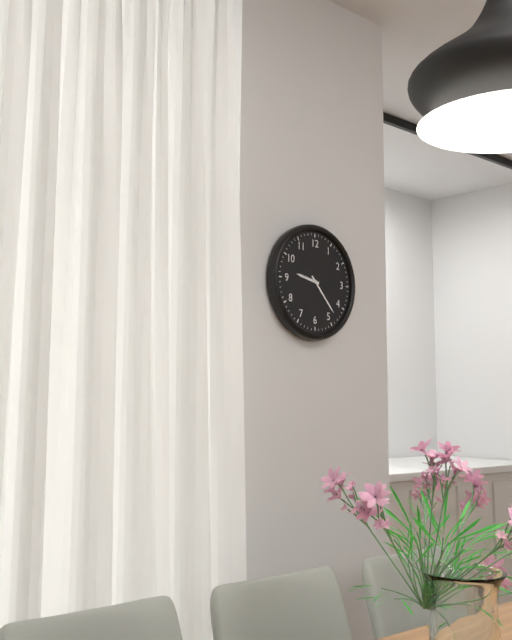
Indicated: 9 h 23 min
